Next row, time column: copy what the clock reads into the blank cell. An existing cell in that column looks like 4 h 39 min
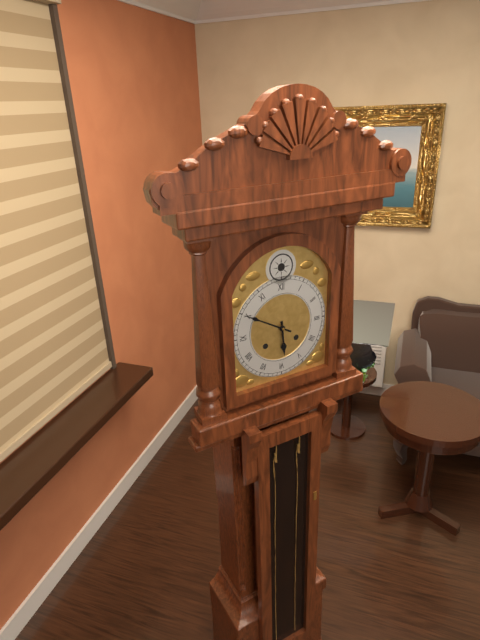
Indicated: 5 h 50 min
